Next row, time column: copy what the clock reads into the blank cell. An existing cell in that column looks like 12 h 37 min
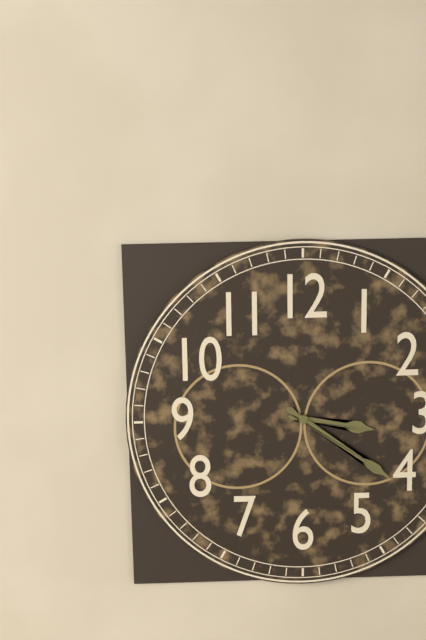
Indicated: 3 h 21 min
